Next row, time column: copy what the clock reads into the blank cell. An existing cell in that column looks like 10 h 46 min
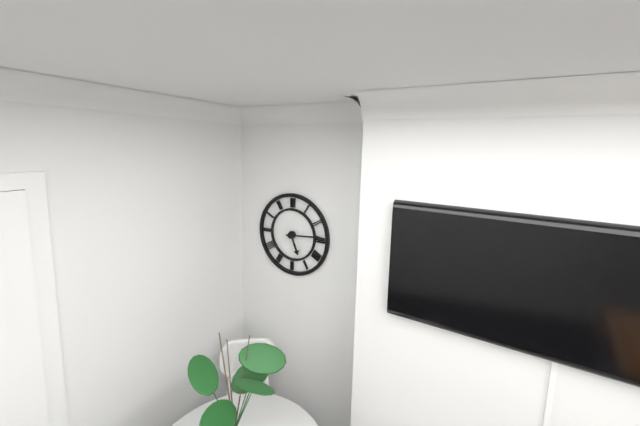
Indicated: 5 h 14 min
